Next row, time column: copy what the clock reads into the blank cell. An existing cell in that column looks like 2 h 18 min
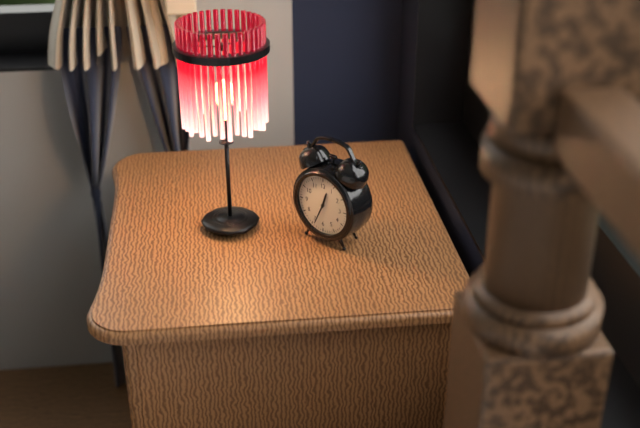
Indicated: 12 h 34 min
